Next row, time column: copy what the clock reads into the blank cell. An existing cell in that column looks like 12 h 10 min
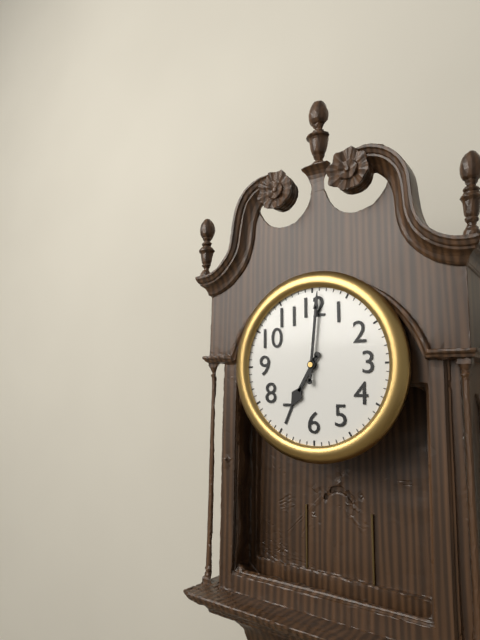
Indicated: 7 h 01 min
